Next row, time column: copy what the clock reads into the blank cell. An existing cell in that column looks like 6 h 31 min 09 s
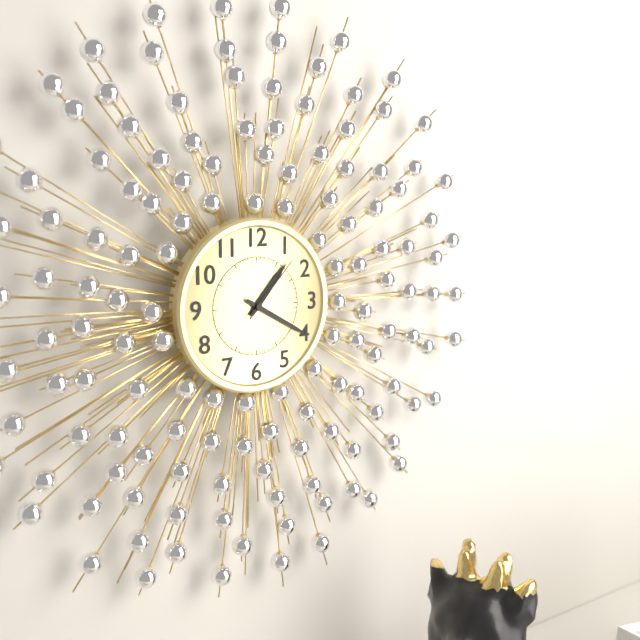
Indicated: 1 h 20 min 07 s
